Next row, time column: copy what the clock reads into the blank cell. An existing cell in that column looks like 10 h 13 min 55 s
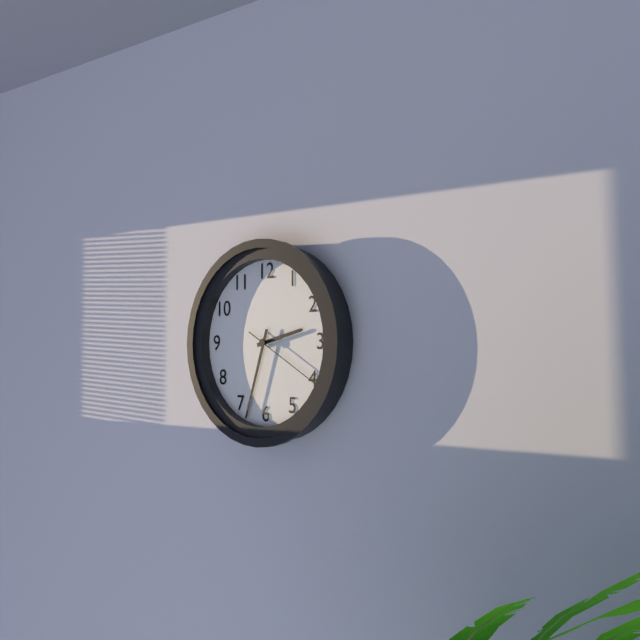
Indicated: 2 h 33 min 20 s
